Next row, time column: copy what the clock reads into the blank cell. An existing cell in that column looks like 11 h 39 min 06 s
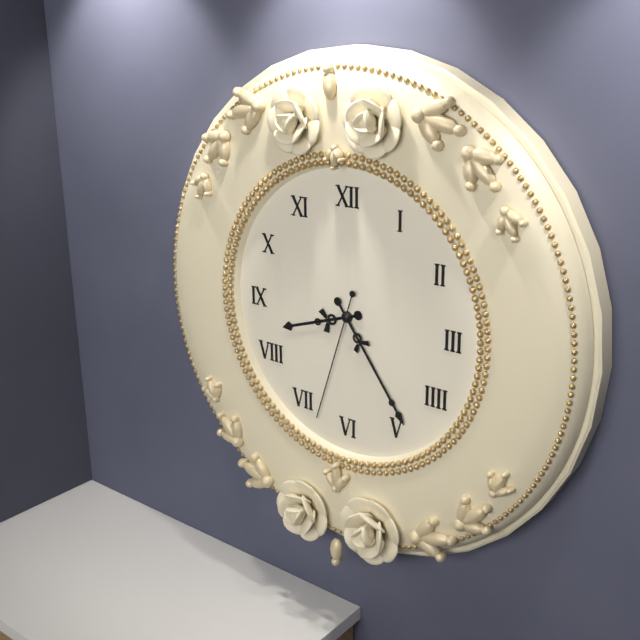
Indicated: 8 h 24 min 33 s
